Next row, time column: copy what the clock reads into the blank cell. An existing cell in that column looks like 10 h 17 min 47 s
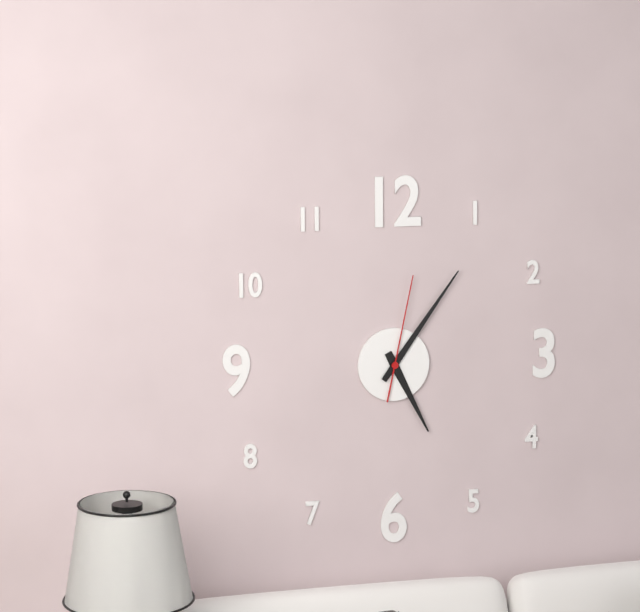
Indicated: 5 h 06 min 02 s
